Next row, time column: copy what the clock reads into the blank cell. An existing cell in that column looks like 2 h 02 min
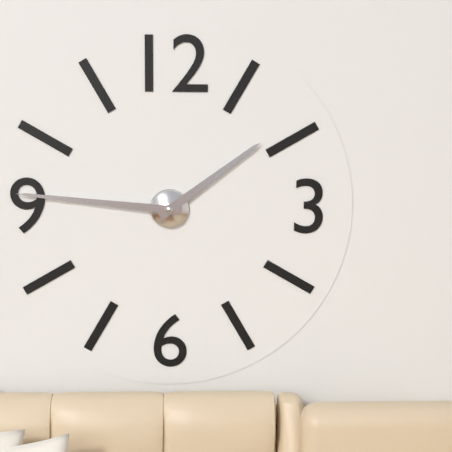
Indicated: 1 h 46 min
